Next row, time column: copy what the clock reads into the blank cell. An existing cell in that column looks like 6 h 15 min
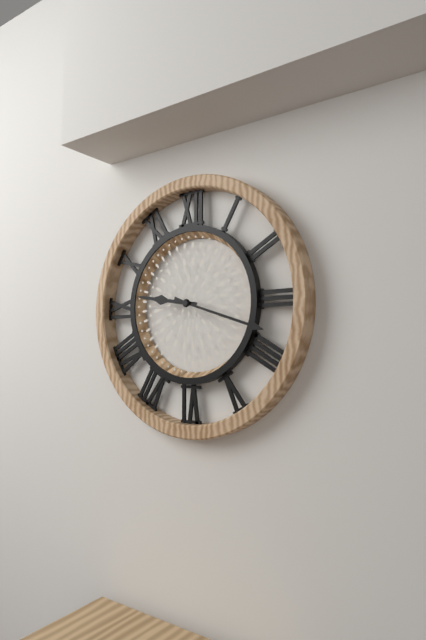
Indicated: 9 h 18 min
